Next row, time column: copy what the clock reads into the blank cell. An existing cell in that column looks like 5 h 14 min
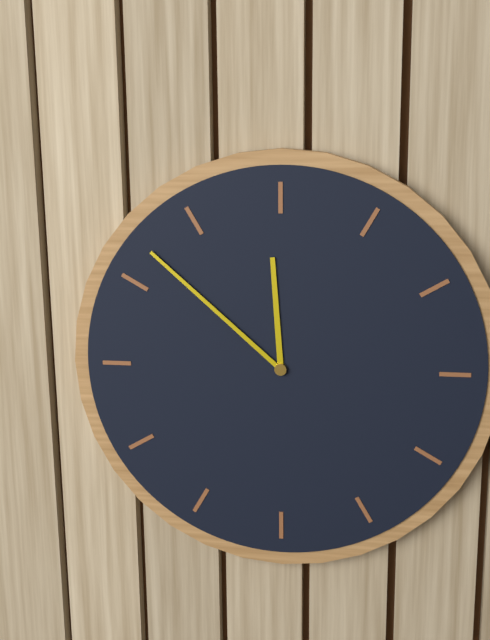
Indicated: 11 h 52 min
